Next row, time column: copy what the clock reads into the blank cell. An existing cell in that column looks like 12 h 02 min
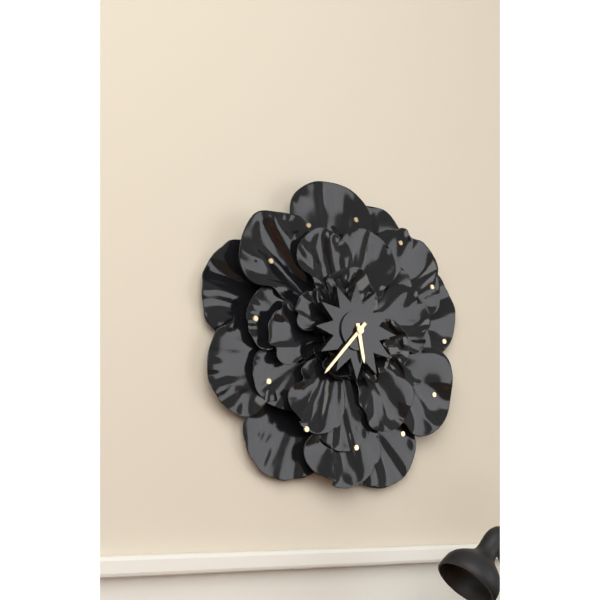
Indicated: 5 h 37 min
